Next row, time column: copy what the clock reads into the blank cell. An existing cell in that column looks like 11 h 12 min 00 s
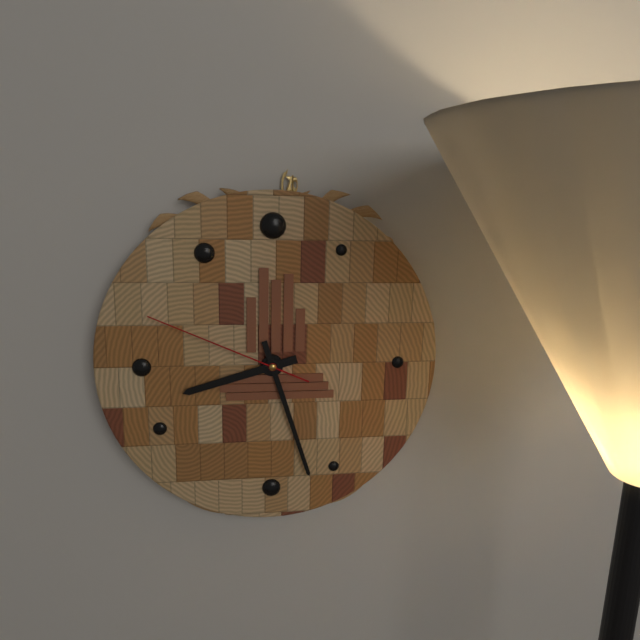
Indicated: 8 h 27 min 49 s
